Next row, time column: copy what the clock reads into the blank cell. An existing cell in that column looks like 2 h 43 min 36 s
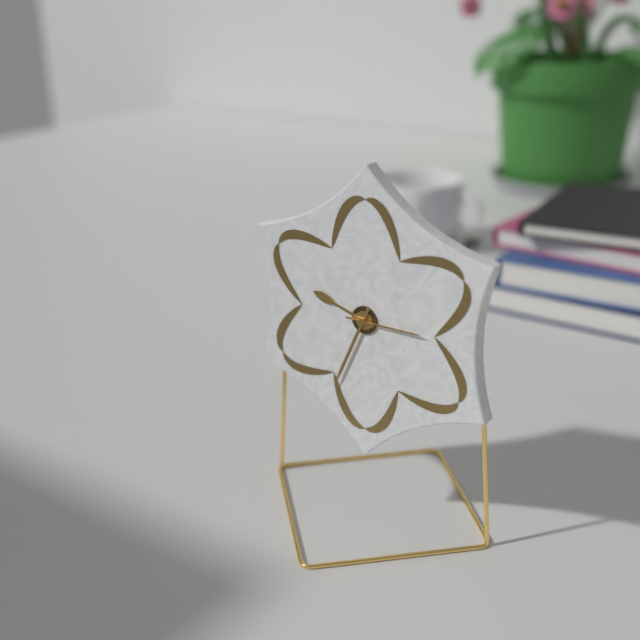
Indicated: 9 h 34 min 15 s
